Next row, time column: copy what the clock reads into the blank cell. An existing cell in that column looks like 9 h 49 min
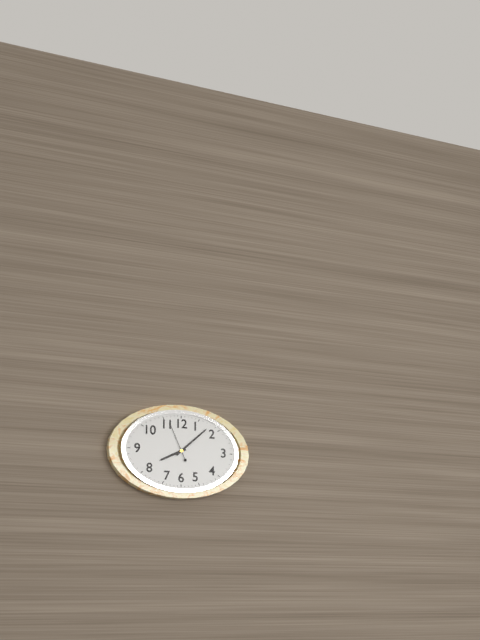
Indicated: 8 h 08 min
